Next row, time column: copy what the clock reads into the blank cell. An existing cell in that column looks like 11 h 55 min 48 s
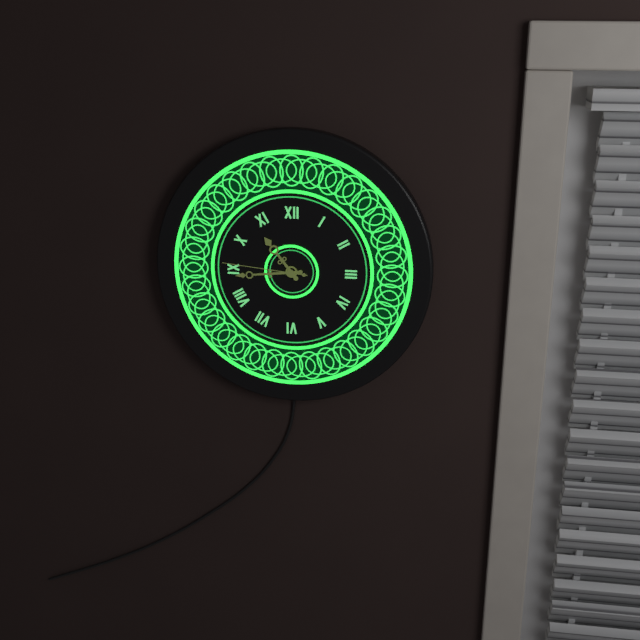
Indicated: 10 h 44 min 46 s
